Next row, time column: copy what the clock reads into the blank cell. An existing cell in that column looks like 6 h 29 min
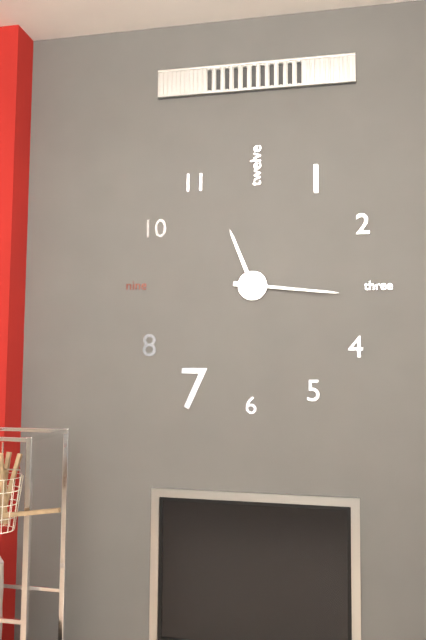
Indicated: 11 h 16 min
